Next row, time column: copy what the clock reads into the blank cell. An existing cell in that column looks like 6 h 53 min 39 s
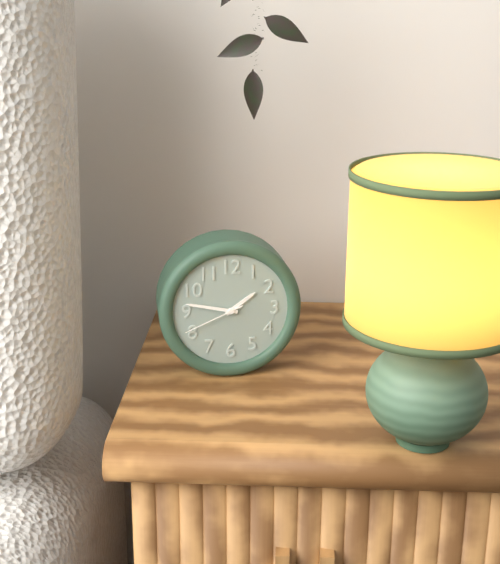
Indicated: 1 h 47 min 41 s
